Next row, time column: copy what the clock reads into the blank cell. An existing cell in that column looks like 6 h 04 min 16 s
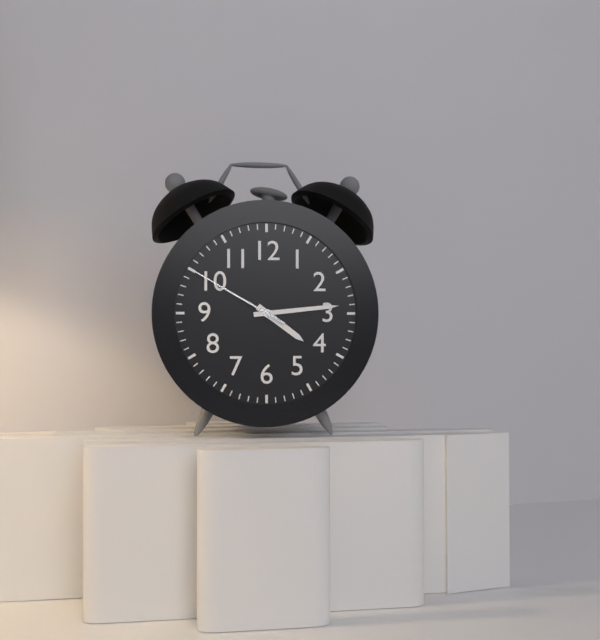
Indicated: 4 h 14 min 50 s
